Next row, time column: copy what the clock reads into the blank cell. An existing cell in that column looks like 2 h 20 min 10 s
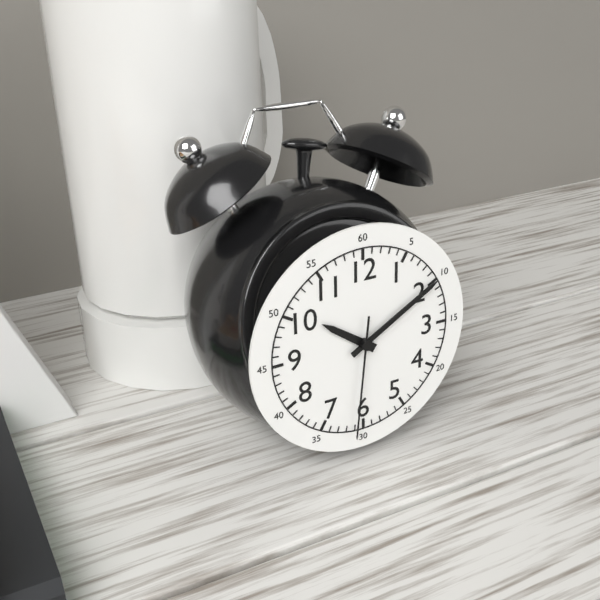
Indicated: 10 h 10 min 31 s
